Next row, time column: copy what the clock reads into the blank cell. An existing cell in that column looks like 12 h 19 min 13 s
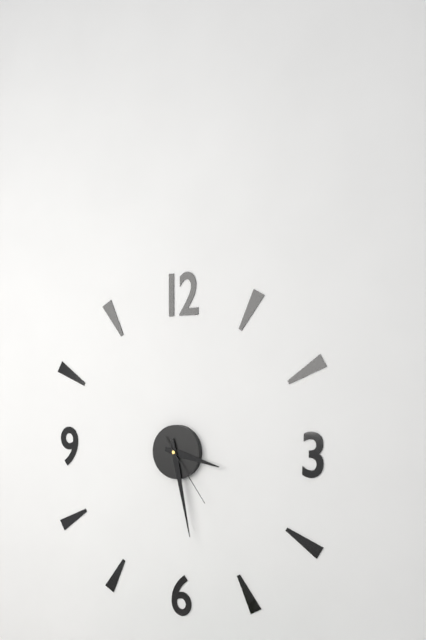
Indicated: 3 h 28 min 24 s
